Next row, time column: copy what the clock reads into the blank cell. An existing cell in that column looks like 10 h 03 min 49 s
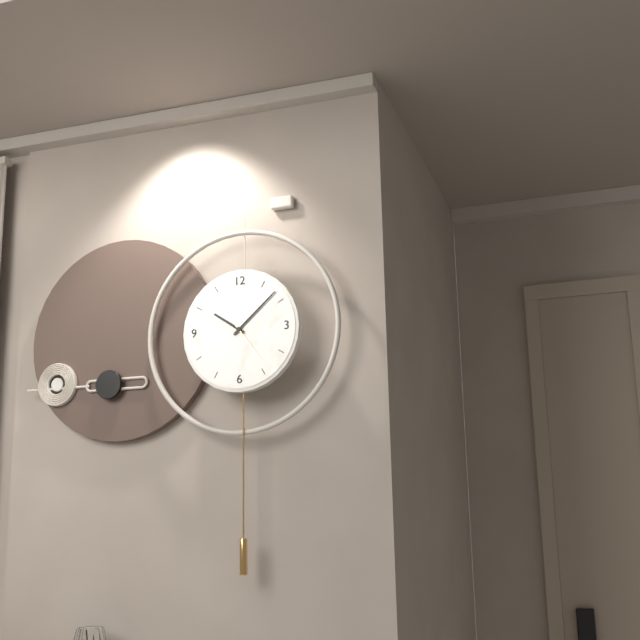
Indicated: 10 h 08 min 24 s
